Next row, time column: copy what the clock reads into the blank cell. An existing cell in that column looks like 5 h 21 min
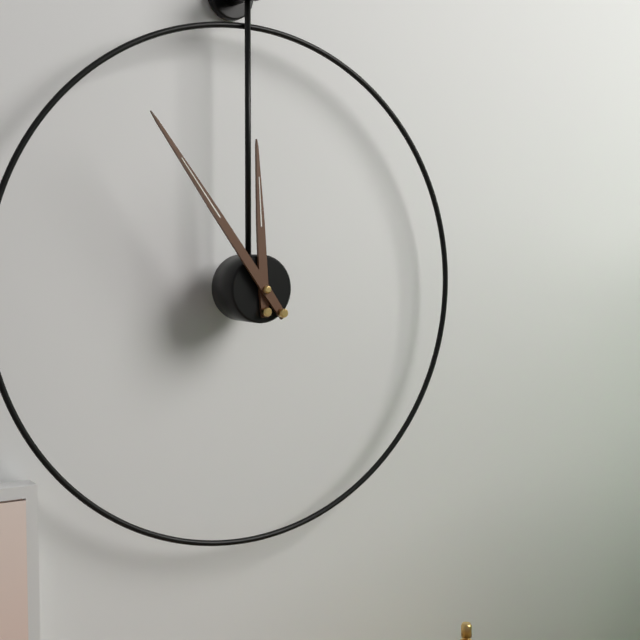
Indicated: 11 h 54 min
